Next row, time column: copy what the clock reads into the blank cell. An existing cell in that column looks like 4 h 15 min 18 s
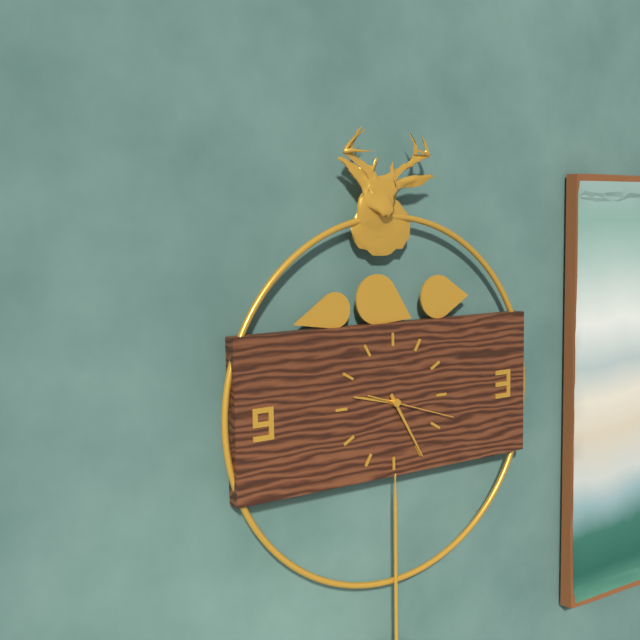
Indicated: 9 h 25 min 18 s
